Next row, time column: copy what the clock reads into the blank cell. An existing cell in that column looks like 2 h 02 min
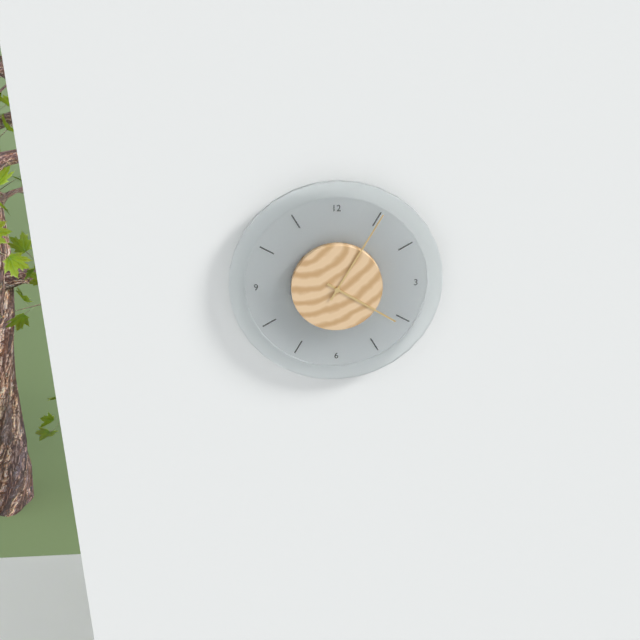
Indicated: 4 h 05 min
